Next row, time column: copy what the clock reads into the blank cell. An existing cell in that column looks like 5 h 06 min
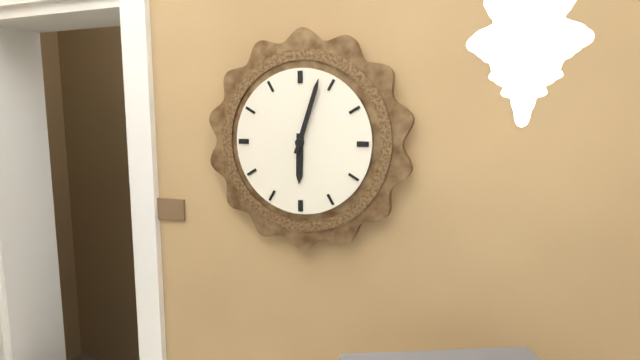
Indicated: 6 h 03 min
